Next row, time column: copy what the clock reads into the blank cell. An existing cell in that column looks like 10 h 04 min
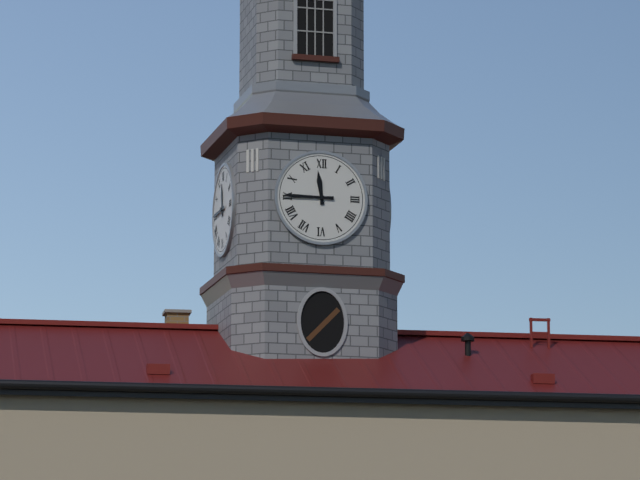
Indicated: 11 h 45 min
